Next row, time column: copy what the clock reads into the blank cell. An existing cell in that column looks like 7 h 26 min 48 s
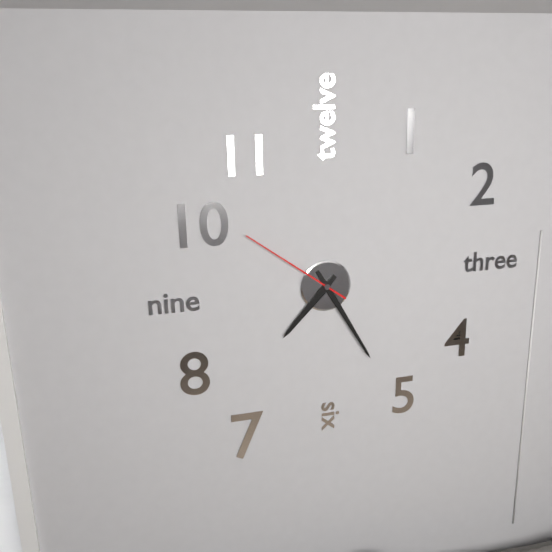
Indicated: 7 h 25 min 51 s
